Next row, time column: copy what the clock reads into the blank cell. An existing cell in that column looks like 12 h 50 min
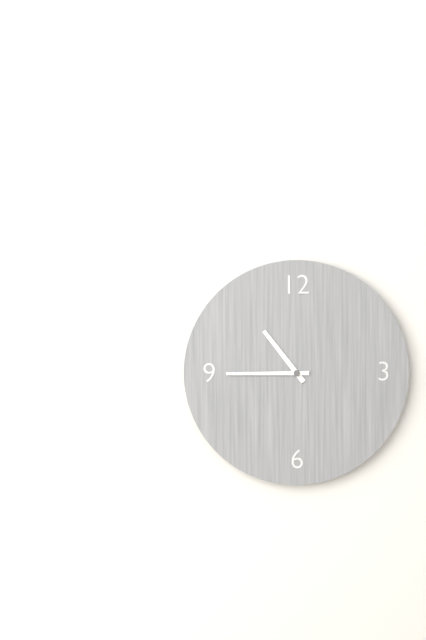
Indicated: 10 h 45 min
